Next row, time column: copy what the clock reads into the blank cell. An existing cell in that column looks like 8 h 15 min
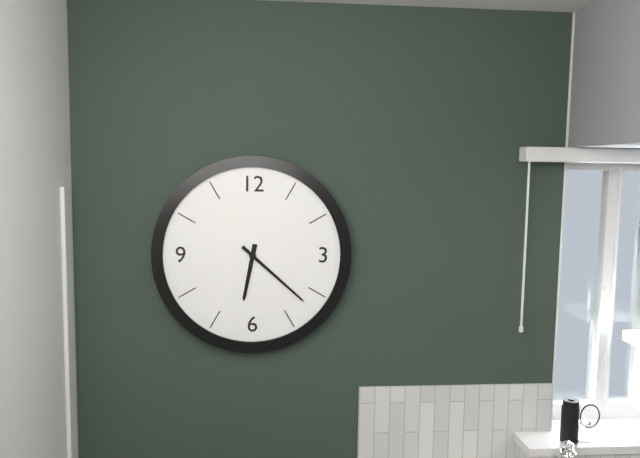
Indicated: 6 h 22 min
